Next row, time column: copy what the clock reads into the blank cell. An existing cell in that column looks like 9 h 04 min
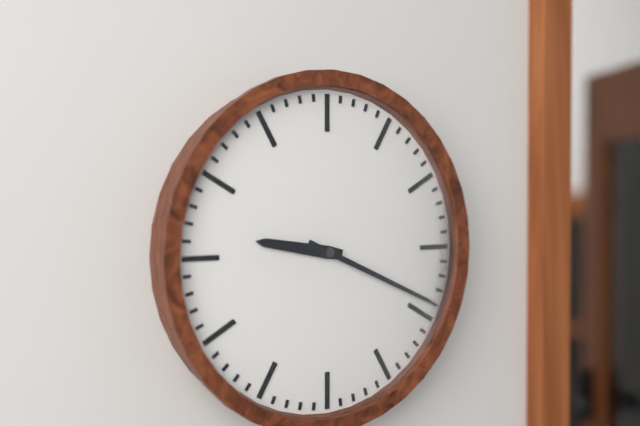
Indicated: 9 h 19 min
